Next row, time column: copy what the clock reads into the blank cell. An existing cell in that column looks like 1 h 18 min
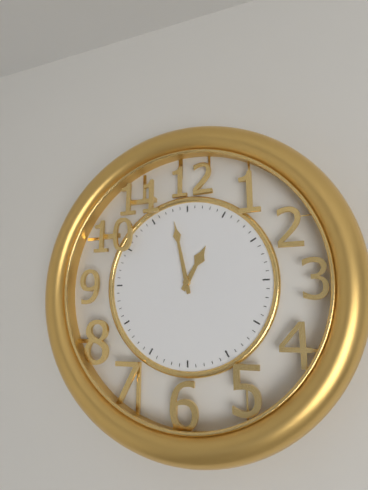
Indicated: 12 h 58 min
